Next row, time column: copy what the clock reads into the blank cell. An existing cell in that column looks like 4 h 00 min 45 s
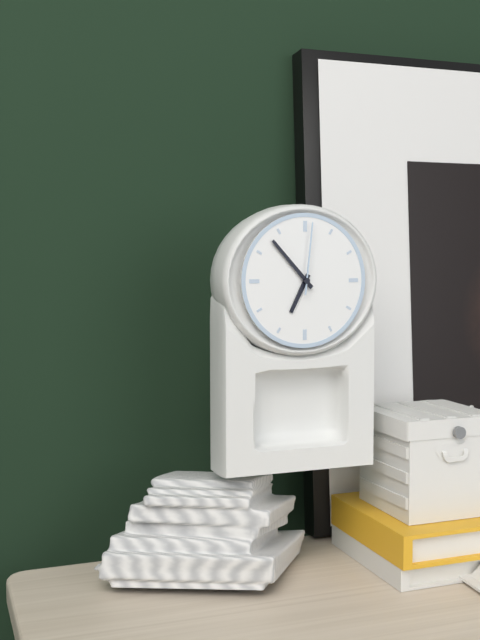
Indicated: 6 h 53 min 01 s
